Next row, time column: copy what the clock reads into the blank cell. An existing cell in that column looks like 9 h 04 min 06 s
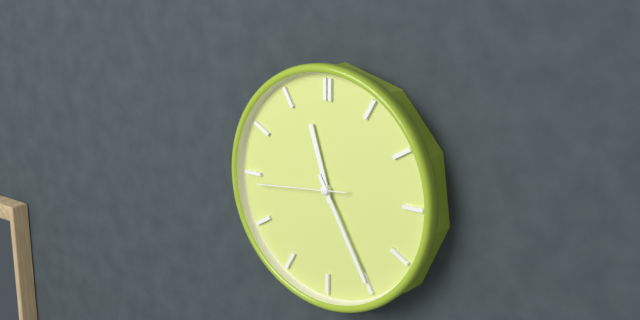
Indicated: 11 h 25 min 44 s
